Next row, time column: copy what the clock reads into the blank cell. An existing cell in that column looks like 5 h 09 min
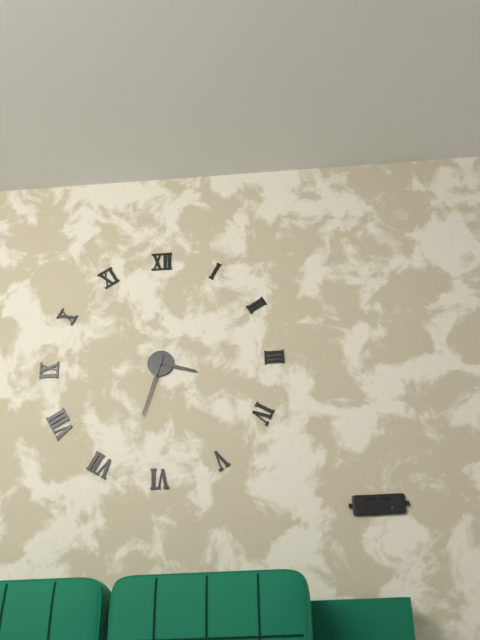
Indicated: 3 h 33 min
